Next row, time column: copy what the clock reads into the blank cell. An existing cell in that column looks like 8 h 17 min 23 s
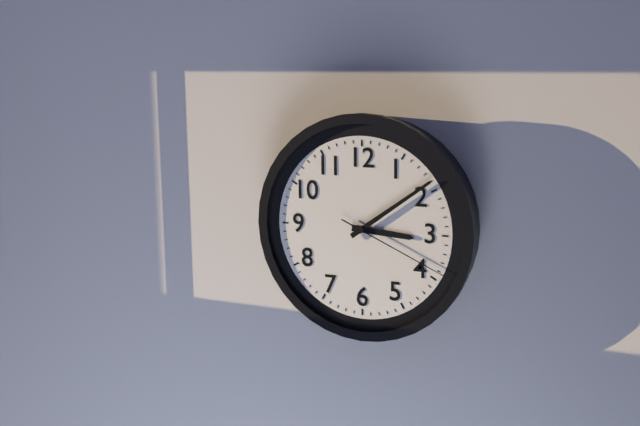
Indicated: 3 h 09 min 19 s
